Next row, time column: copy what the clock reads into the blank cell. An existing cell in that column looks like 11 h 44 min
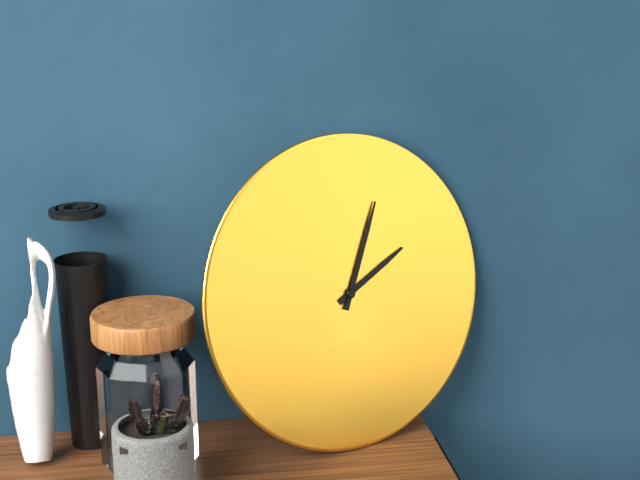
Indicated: 2 h 04 min
